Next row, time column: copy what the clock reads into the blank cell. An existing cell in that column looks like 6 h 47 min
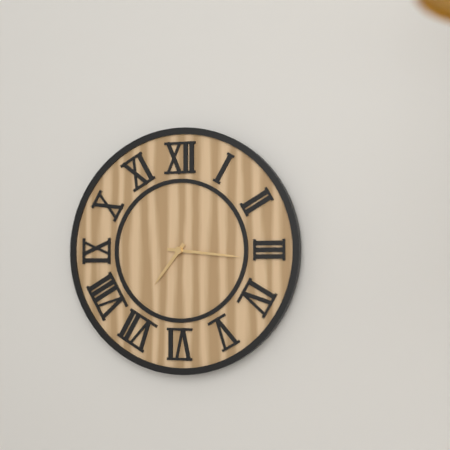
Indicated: 7 h 16 min
